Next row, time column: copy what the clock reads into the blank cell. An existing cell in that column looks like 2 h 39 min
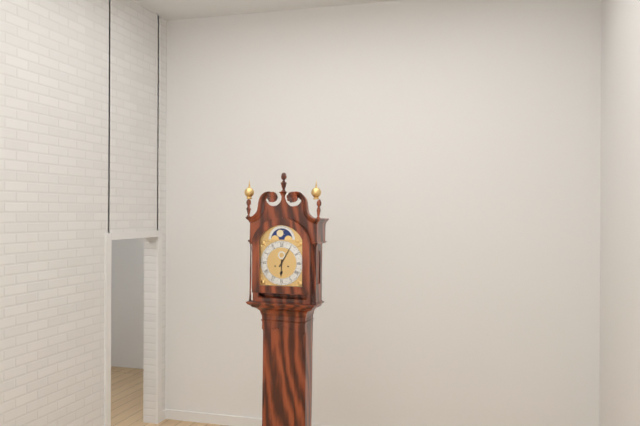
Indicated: 6 h 05 min
